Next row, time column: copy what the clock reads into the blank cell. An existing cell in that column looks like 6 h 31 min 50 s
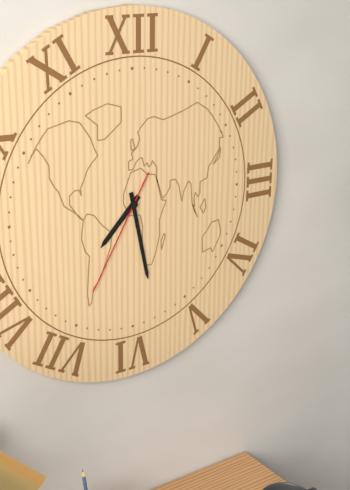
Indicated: 7 h 28 min 35 s
